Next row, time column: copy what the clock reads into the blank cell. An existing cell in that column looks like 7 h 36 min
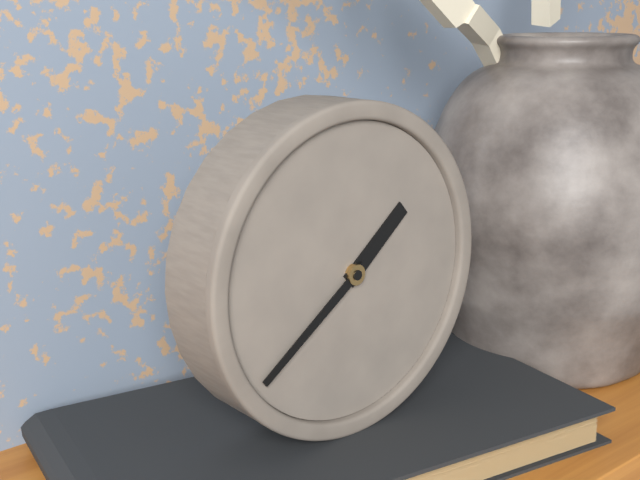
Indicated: 1 h 39 min
